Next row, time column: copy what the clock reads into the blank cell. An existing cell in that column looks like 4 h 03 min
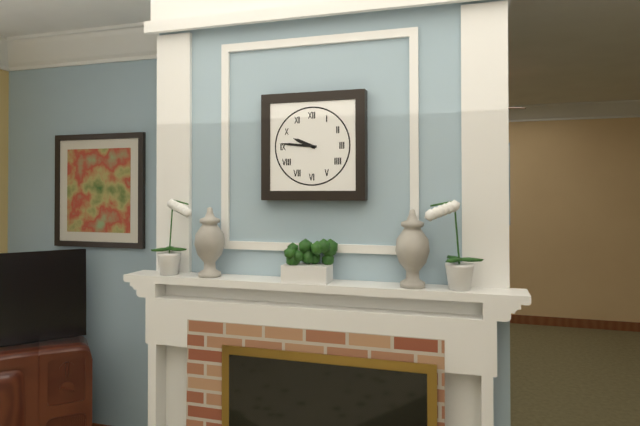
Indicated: 9 h 46 min
